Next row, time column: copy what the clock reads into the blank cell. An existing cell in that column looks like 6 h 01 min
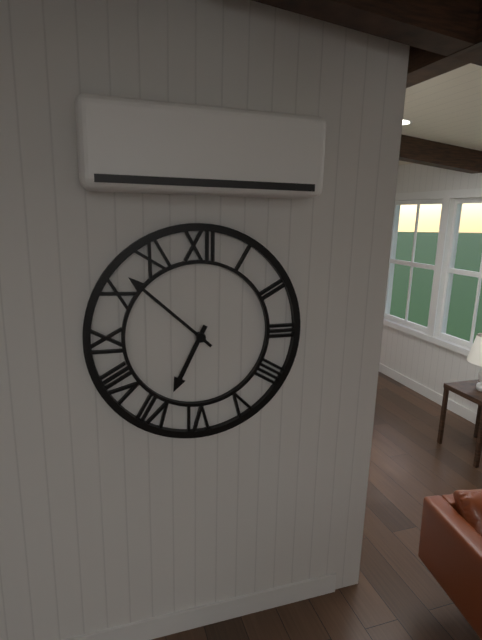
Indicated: 6 h 52 min
